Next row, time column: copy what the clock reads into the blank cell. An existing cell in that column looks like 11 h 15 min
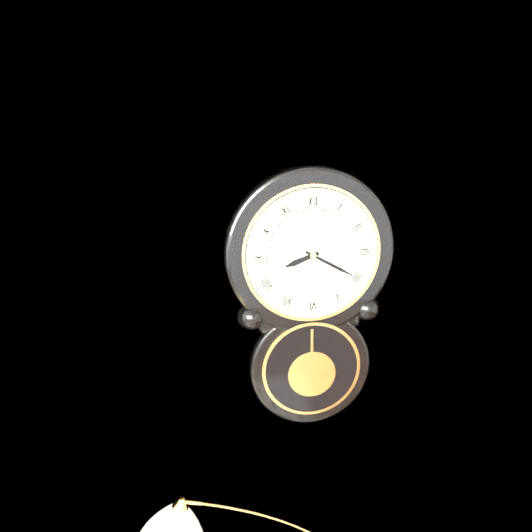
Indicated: 8 h 20 min
